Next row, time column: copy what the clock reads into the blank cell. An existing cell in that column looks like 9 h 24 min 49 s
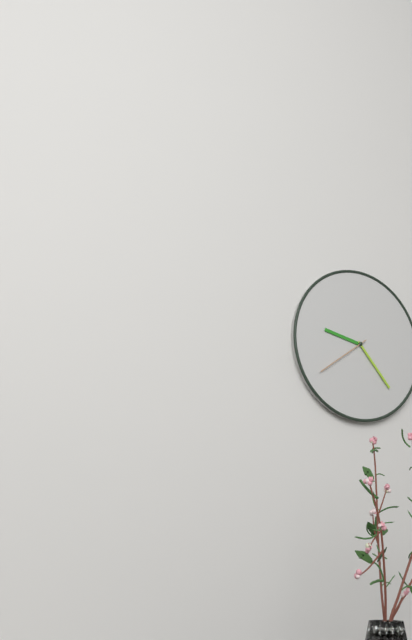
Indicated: 9 h 23 min 39 s
